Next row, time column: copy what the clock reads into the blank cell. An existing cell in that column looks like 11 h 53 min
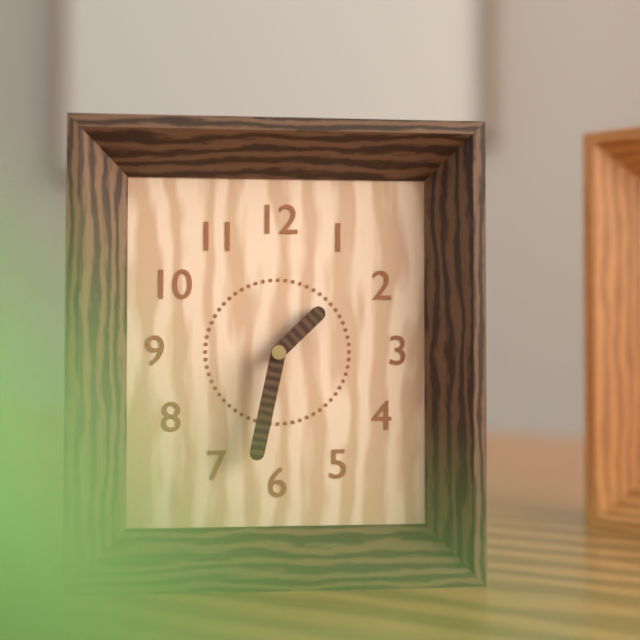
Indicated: 1 h 32 min
